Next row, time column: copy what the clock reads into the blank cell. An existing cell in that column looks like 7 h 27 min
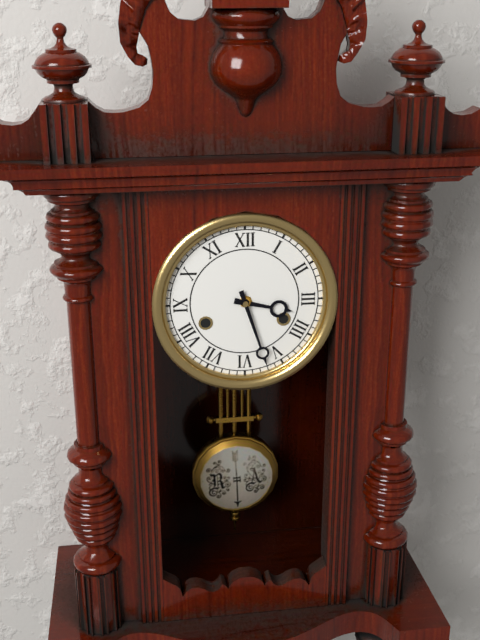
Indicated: 3 h 27 min
